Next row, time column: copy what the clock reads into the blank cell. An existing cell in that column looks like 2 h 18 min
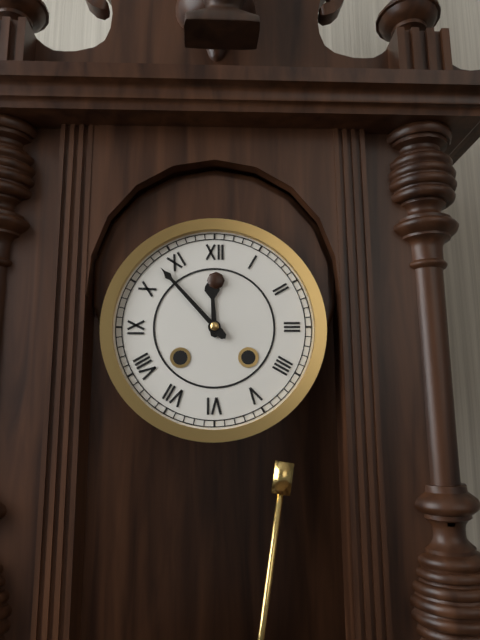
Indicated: 11 h 53 min
